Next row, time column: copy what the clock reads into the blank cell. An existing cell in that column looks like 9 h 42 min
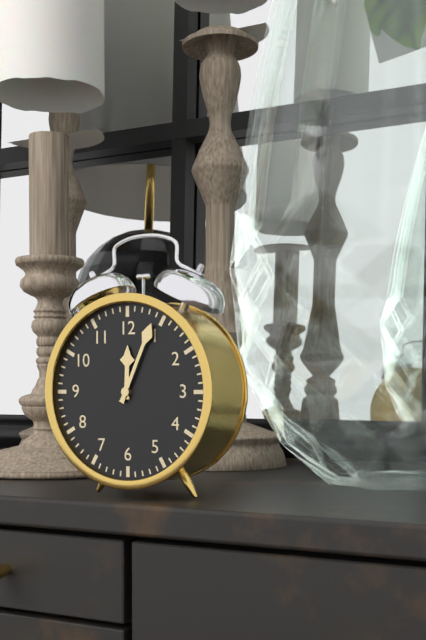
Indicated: 12 h 04 min
